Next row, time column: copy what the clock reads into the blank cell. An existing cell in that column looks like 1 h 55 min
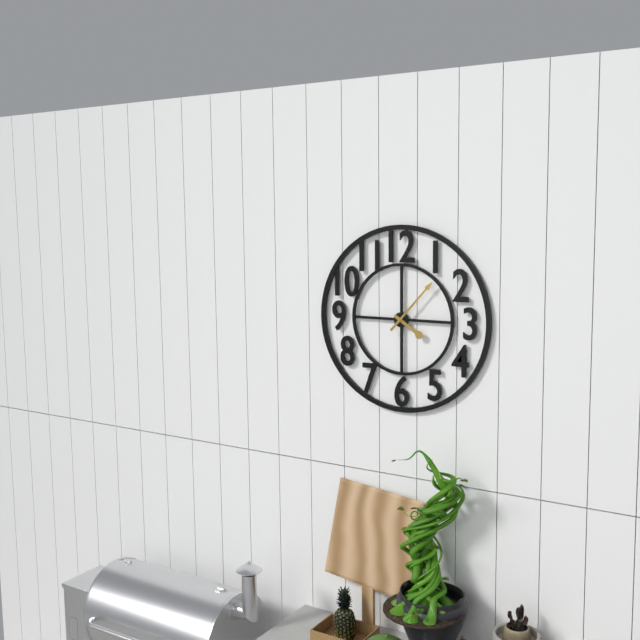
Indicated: 4 h 07 min
